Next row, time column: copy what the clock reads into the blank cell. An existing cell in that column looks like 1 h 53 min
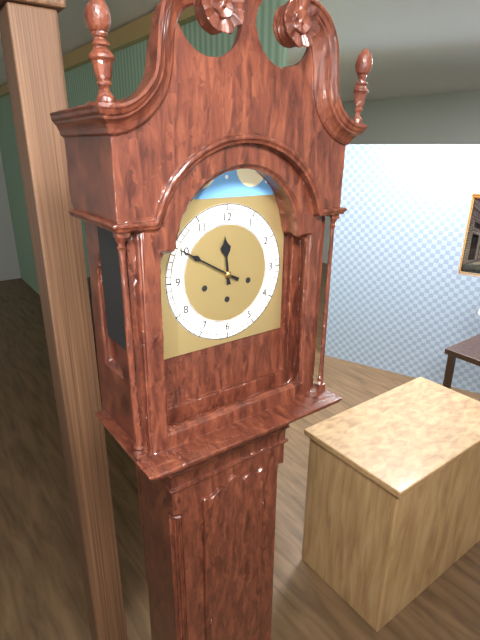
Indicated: 11 h 50 min
